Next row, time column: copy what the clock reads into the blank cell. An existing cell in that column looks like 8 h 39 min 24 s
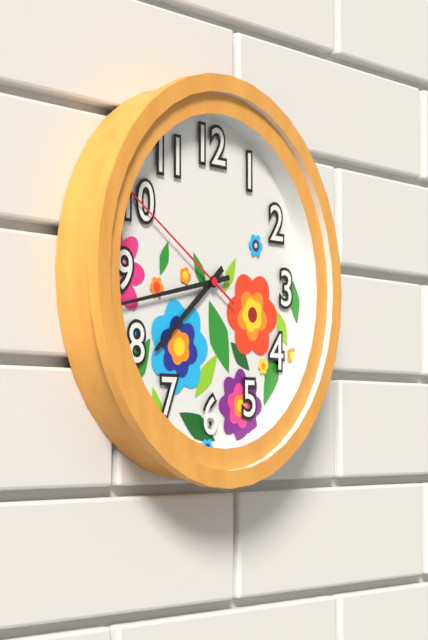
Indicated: 7 h 43 min 50 s
